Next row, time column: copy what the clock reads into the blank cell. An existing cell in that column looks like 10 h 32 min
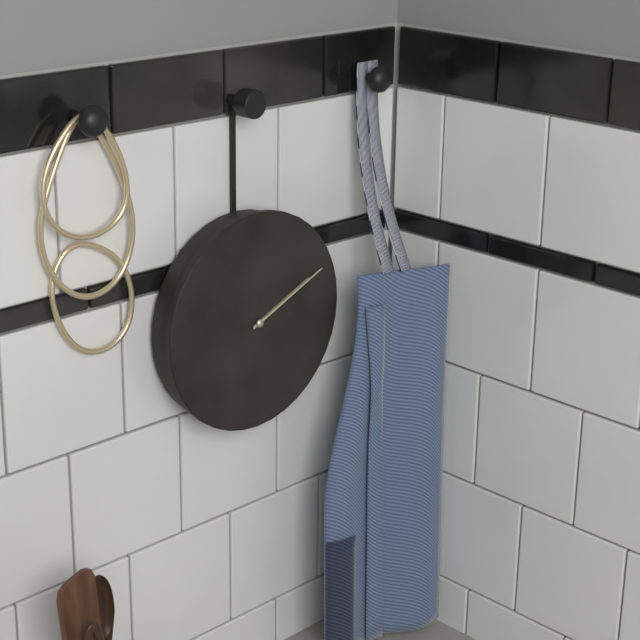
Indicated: 2 h 11 min
